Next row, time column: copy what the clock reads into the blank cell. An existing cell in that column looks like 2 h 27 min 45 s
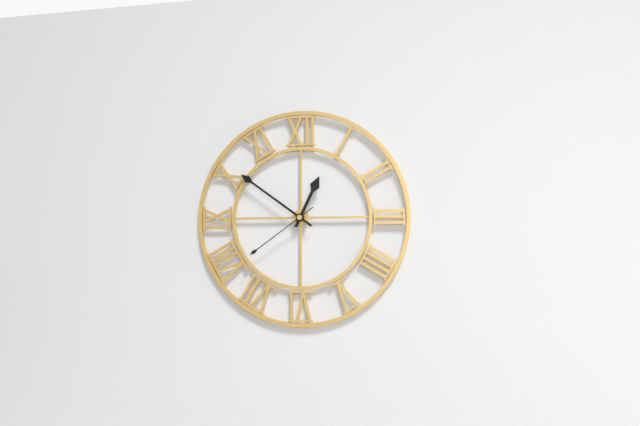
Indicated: 12 h 51 min 39 s
